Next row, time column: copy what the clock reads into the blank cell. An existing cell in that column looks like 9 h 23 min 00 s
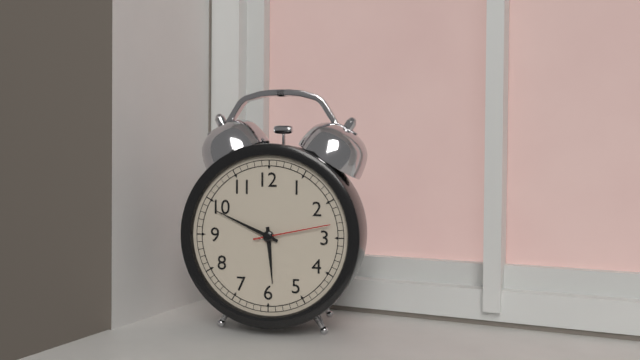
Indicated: 5 h 49 min 13 s
